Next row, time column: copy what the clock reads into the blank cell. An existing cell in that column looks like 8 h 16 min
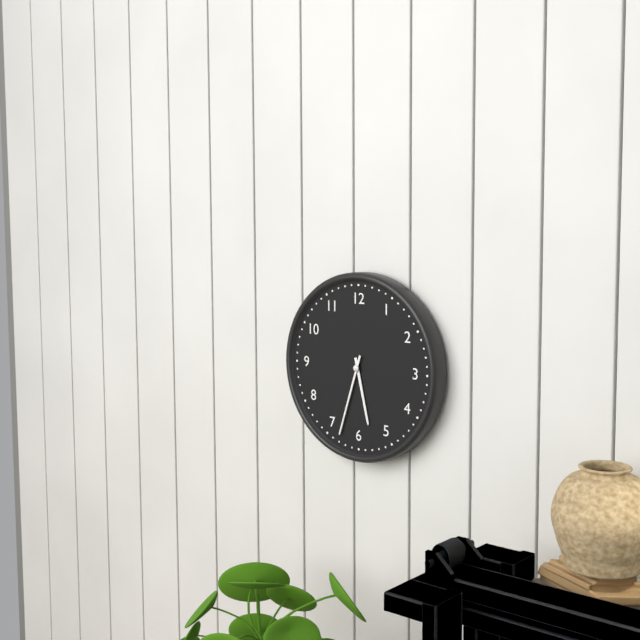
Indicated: 5 h 33 min
